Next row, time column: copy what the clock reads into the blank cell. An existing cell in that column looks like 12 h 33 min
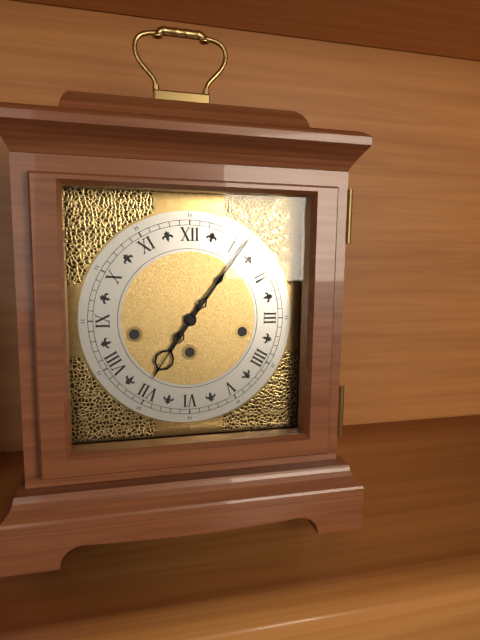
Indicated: 7 h 06 min
